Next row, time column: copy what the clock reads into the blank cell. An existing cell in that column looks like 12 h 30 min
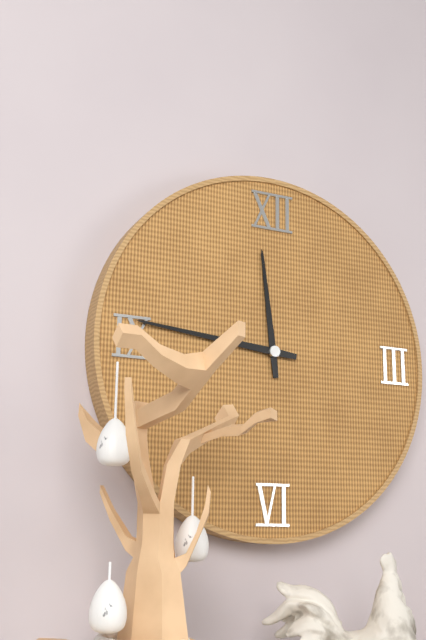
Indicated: 11 h 46 min
